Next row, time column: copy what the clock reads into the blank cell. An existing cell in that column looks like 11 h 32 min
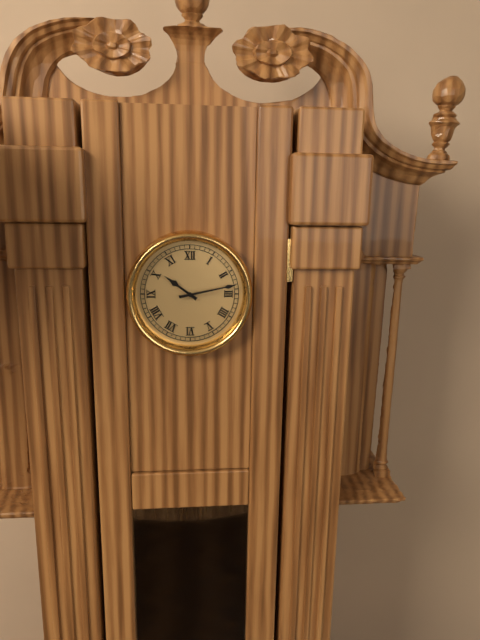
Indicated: 10 h 13 min
